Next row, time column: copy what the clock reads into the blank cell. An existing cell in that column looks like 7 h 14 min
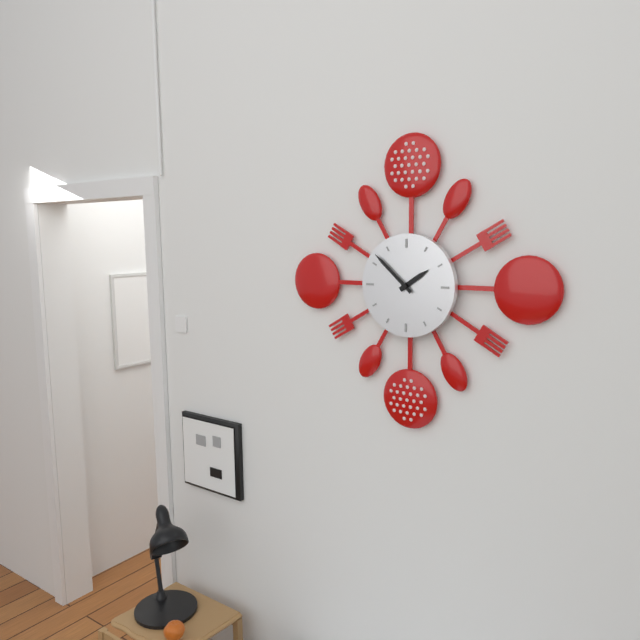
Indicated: 1 h 52 min
